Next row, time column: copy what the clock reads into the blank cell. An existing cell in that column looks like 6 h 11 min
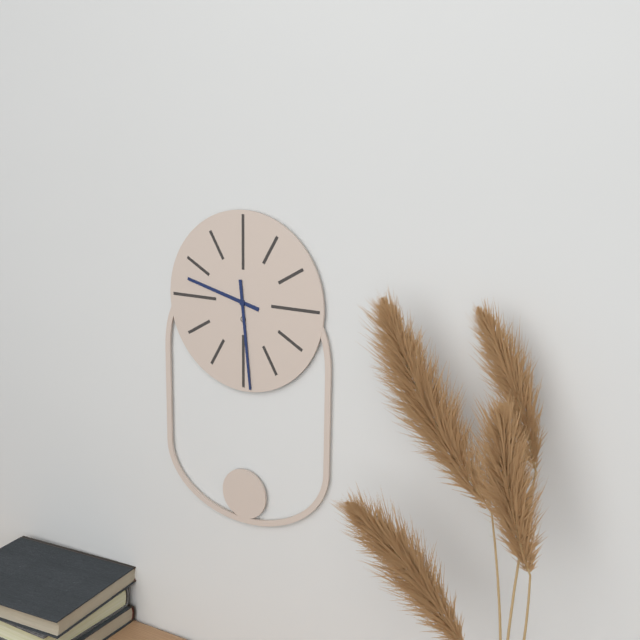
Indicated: 9 h 29 min
